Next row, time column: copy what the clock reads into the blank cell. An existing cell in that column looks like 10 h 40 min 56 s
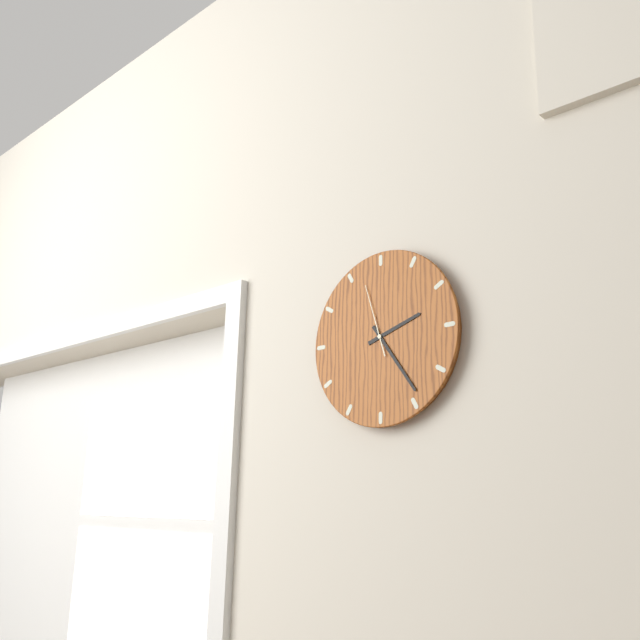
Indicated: 2 h 24 min 57 s
